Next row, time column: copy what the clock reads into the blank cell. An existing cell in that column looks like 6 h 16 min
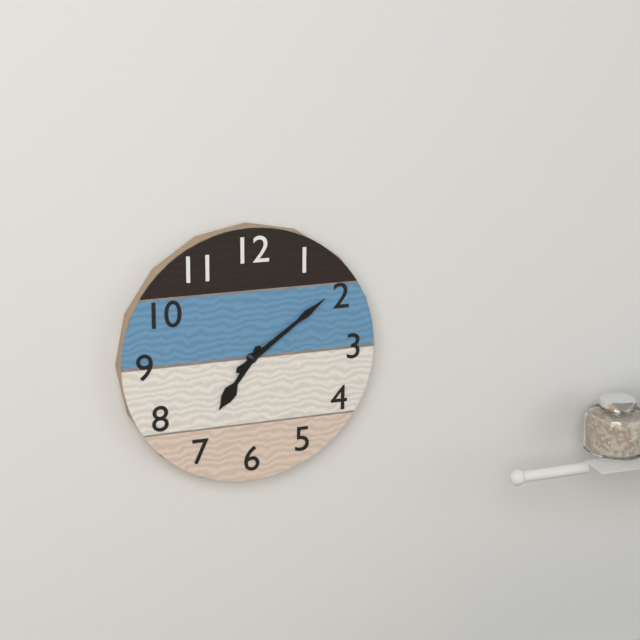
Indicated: 7 h 09 min
